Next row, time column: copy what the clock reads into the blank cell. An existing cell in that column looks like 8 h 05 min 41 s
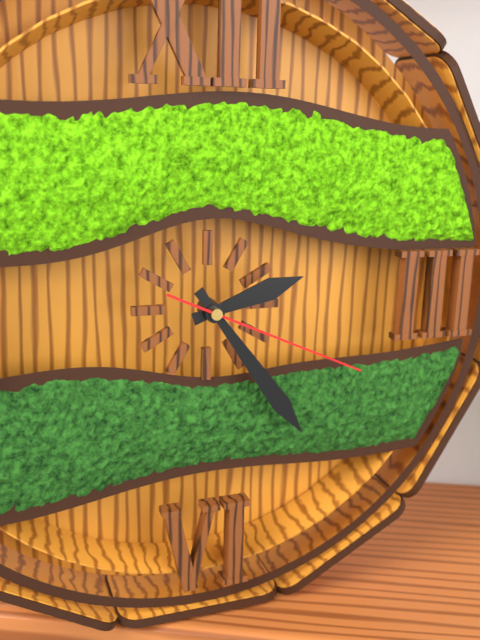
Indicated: 2 h 24 min 19 s
